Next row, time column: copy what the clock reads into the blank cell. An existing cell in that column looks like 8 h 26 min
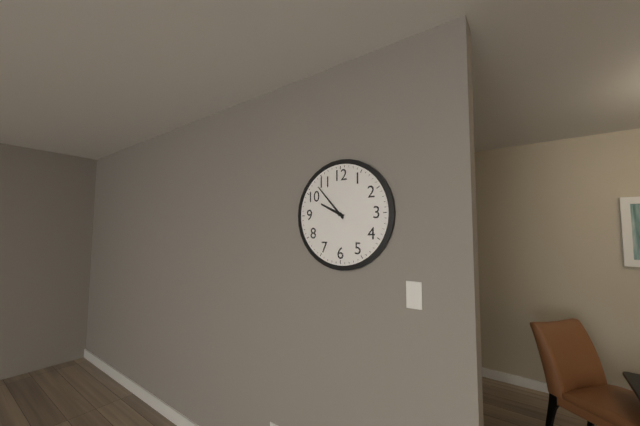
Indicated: 9 h 53 min
